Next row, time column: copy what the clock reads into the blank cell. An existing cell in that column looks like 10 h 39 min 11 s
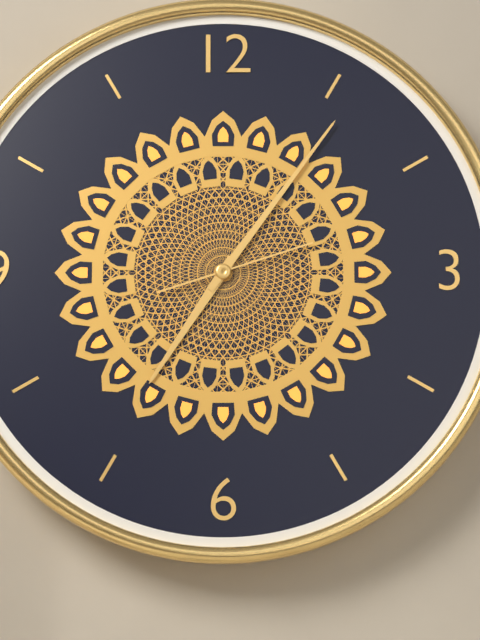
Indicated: 7 h 06 min 12 s
